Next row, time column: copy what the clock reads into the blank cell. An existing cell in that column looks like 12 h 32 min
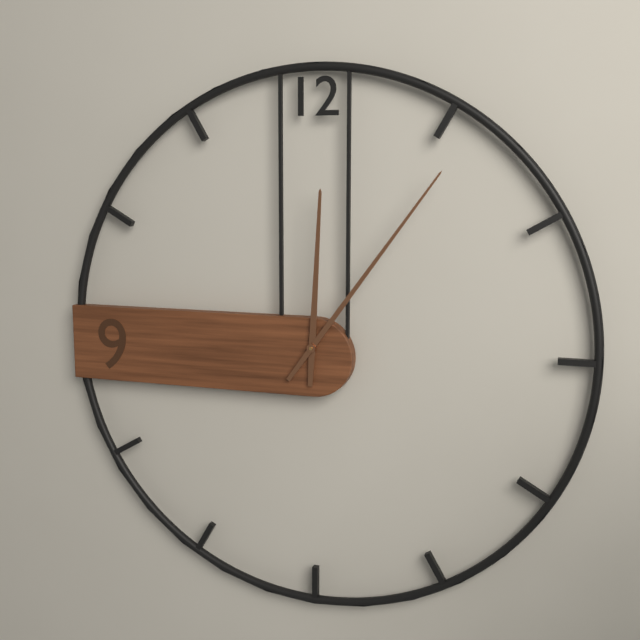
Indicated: 12 h 06 min
